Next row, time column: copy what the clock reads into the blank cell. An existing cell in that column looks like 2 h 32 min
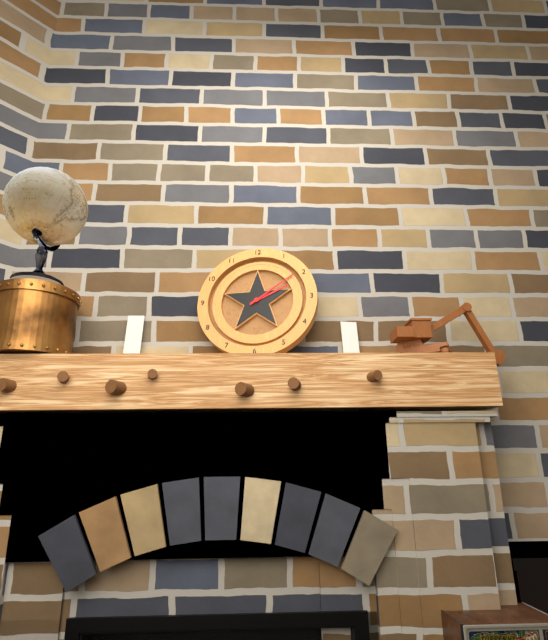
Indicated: 2 h 09 min
